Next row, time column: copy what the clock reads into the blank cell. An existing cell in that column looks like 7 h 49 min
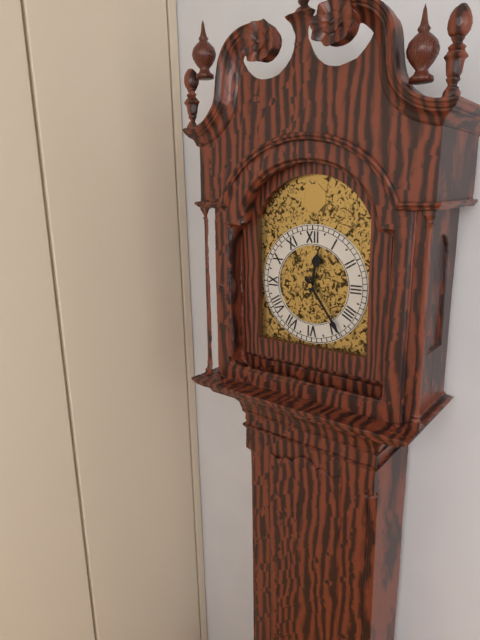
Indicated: 12 h 24 min
